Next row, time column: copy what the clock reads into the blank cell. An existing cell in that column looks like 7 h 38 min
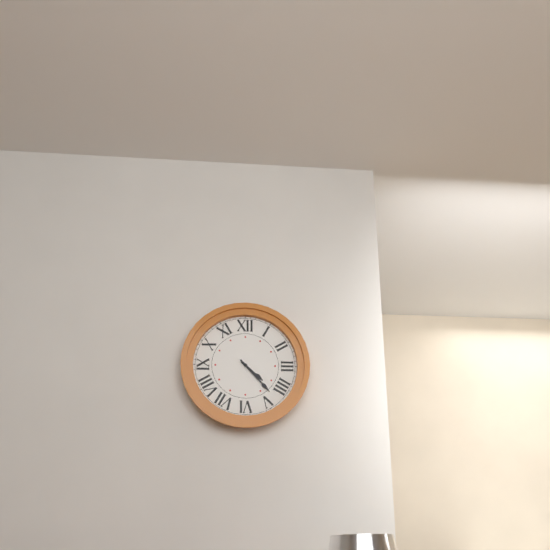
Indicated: 4 h 23 min
